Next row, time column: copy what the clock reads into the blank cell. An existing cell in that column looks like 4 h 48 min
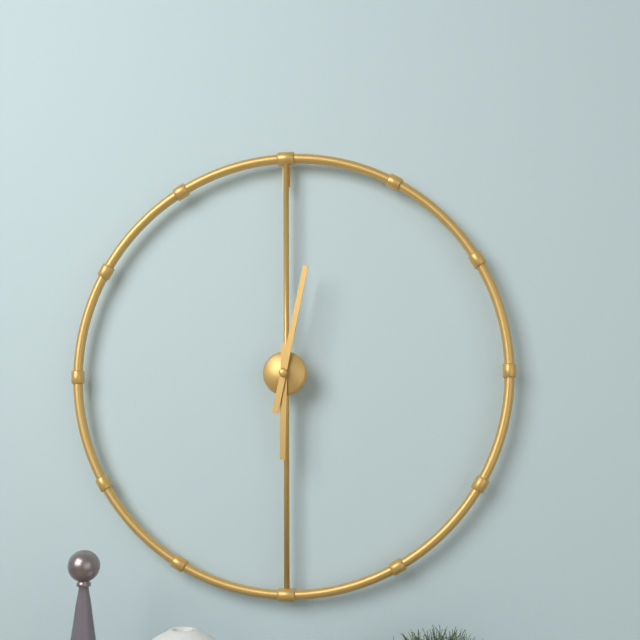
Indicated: 6 h 02 min
